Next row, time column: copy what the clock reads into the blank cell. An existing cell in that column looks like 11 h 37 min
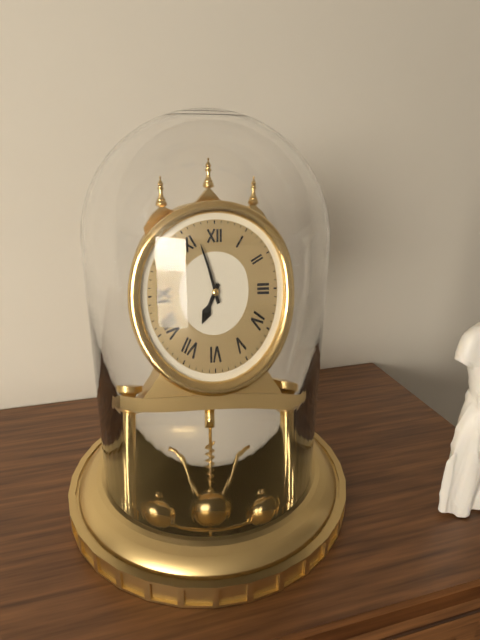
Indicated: 6 h 57 min
